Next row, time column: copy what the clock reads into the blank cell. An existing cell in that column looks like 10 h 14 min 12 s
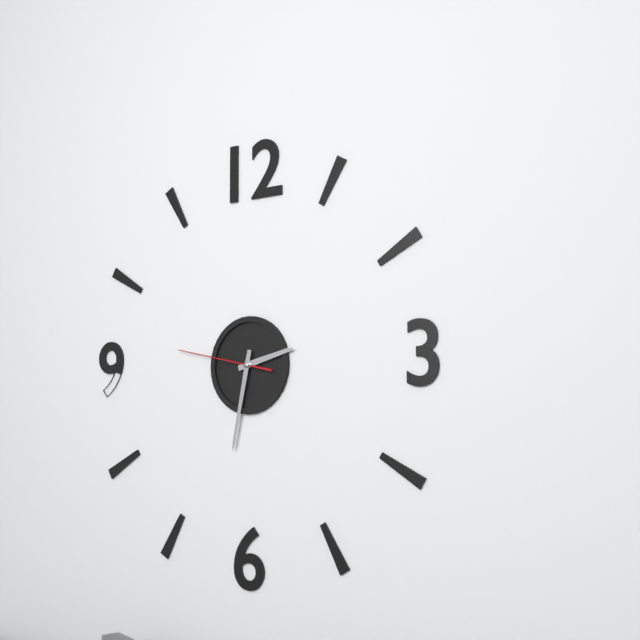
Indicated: 2 h 32 min 47 s
